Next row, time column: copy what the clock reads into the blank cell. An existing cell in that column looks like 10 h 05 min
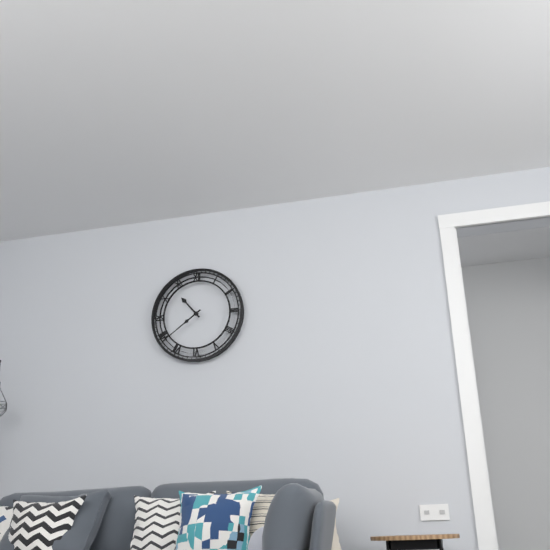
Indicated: 10 h 39 min
